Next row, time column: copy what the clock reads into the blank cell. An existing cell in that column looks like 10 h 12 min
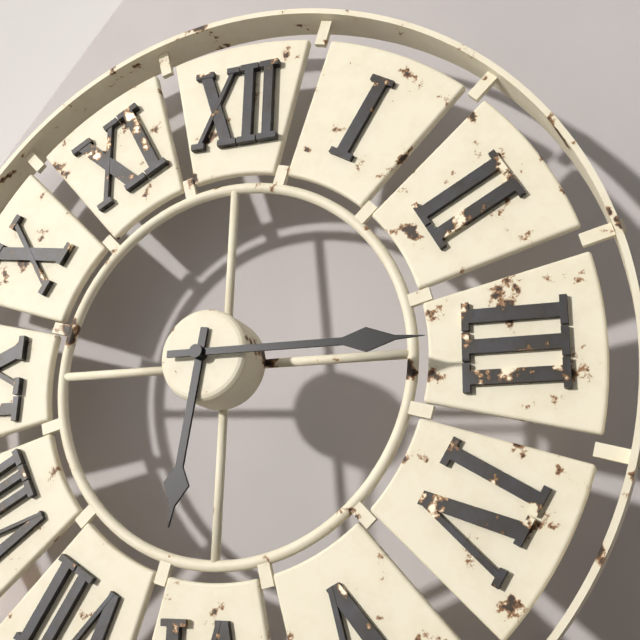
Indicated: 6 h 15 min
